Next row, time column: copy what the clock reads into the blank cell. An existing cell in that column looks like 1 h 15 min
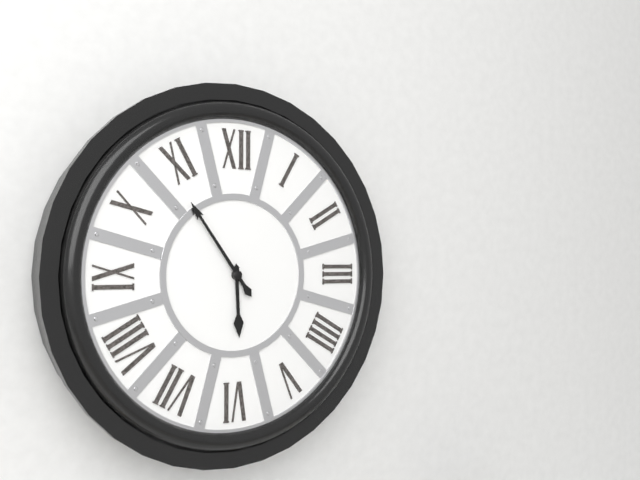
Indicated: 5 h 54 min
